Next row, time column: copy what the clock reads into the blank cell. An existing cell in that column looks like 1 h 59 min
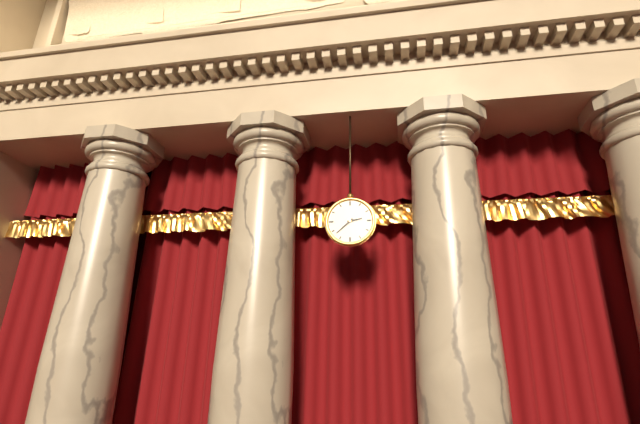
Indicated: 2 h 38 min
